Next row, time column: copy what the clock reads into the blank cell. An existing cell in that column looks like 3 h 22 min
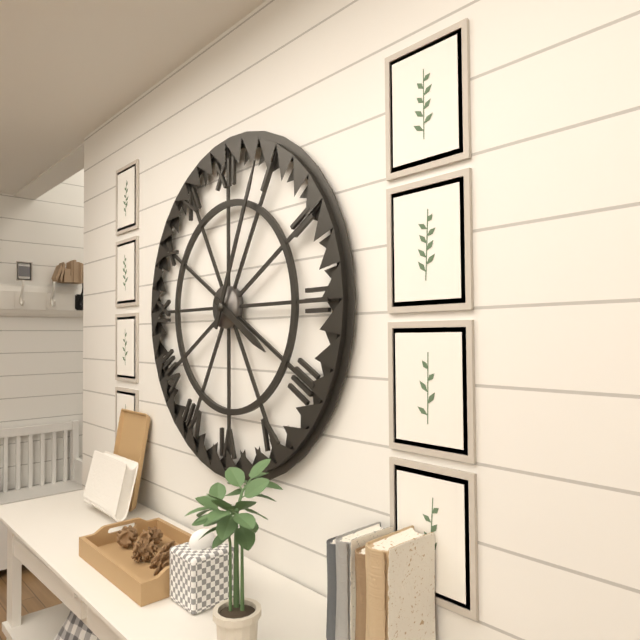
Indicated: 4 h 04 min
